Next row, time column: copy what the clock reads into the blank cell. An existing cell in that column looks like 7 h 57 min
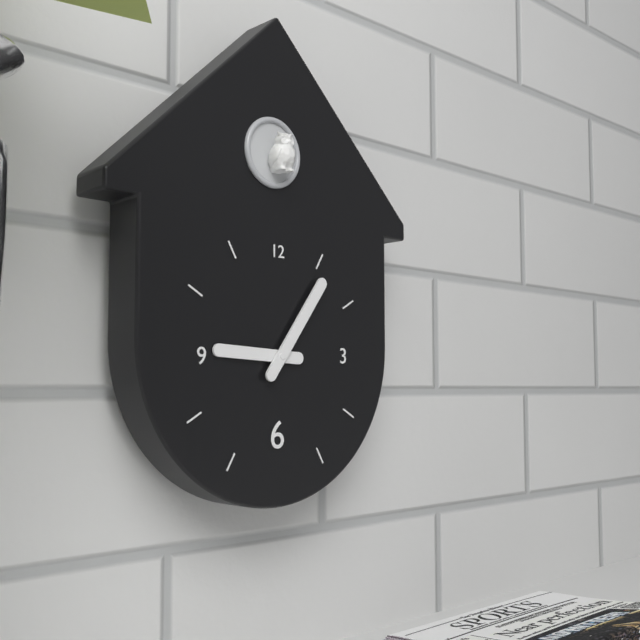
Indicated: 9 h 06 min
